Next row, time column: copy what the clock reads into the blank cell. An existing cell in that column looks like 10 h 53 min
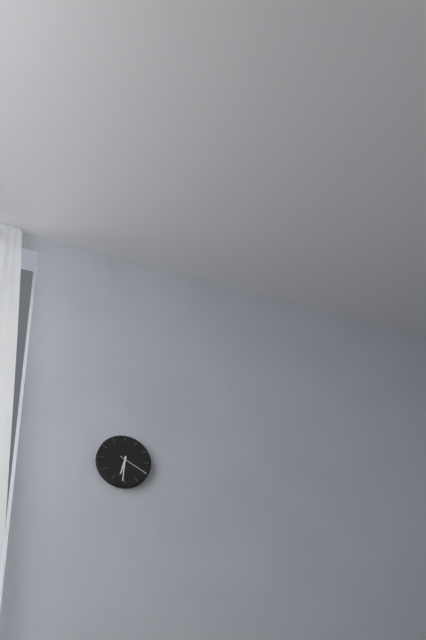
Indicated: 6 h 31 min
